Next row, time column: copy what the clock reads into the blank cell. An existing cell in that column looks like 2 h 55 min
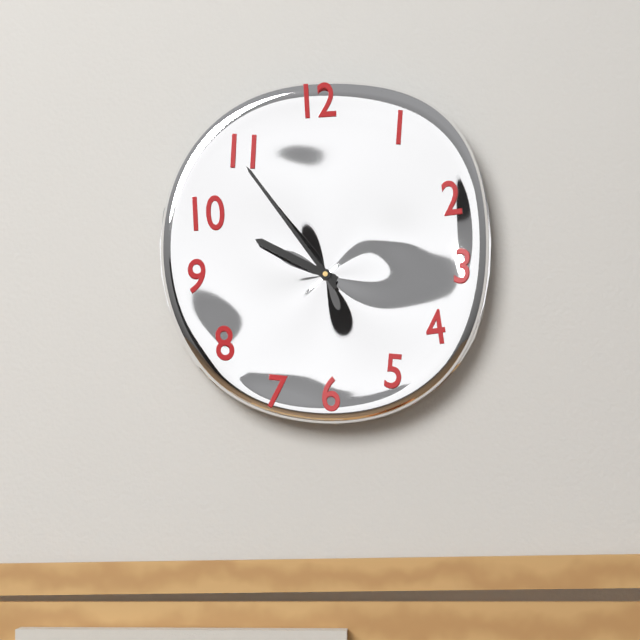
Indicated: 9 h 54 min
